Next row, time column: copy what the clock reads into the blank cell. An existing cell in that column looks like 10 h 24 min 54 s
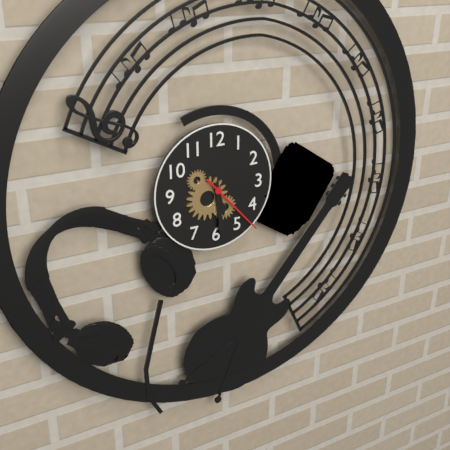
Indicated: 5 h 29 min 23 s
